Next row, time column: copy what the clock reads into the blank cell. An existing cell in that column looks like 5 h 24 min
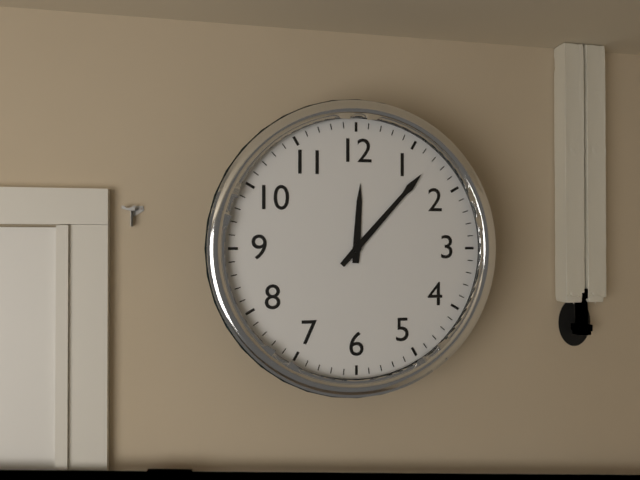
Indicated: 12 h 07 min
